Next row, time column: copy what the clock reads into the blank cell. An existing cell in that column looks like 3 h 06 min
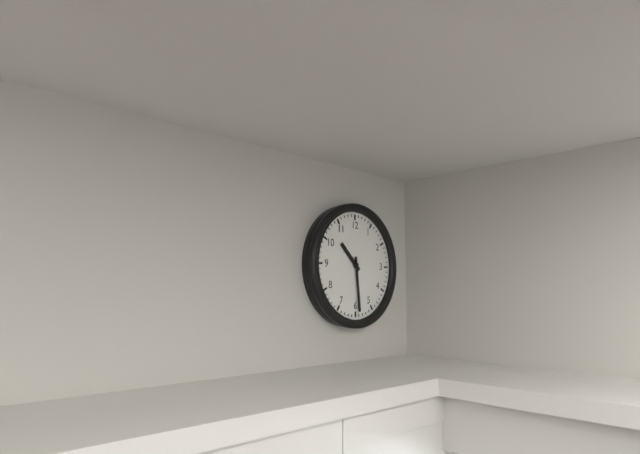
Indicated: 10 h 29 min
